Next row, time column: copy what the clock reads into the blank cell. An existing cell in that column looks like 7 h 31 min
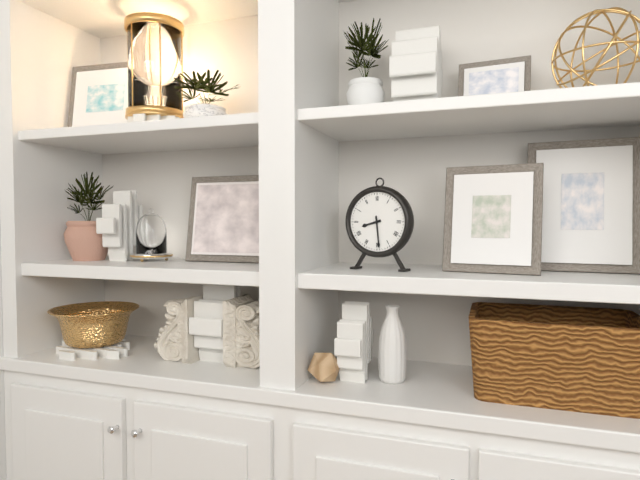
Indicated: 8 h 29 min
